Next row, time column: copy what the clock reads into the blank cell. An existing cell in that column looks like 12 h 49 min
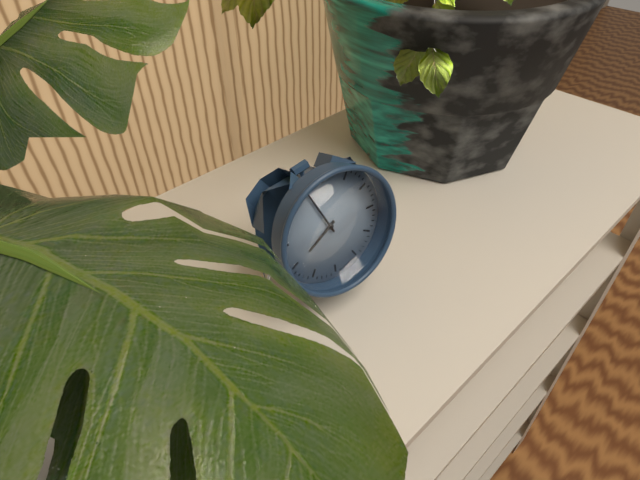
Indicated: 7 h 56 min
